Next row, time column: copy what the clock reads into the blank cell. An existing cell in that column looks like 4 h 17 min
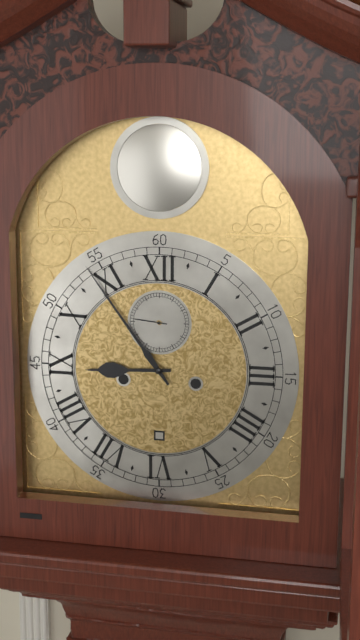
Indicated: 8 h 54 min
